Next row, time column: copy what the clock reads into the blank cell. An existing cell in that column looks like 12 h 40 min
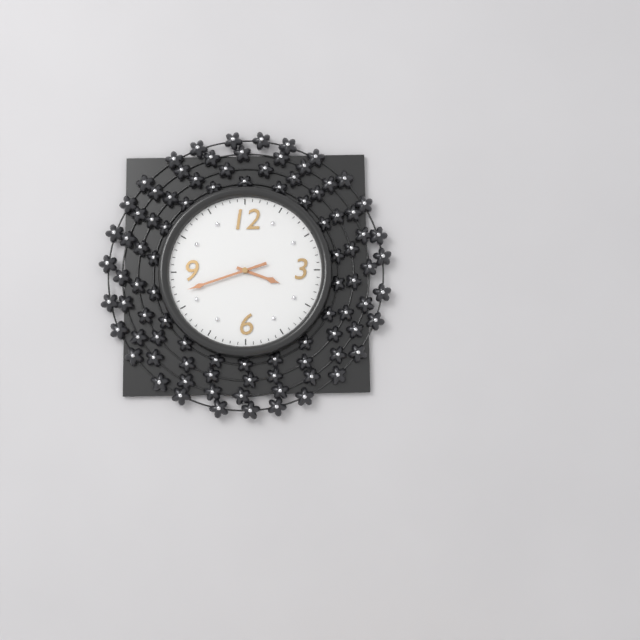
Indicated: 3 h 42 min
